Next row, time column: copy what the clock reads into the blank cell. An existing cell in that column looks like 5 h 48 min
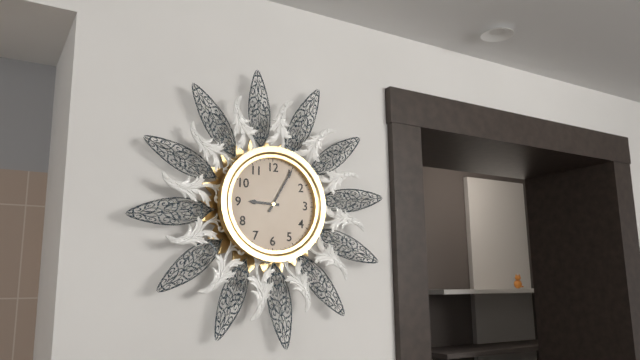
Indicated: 9 h 05 min
